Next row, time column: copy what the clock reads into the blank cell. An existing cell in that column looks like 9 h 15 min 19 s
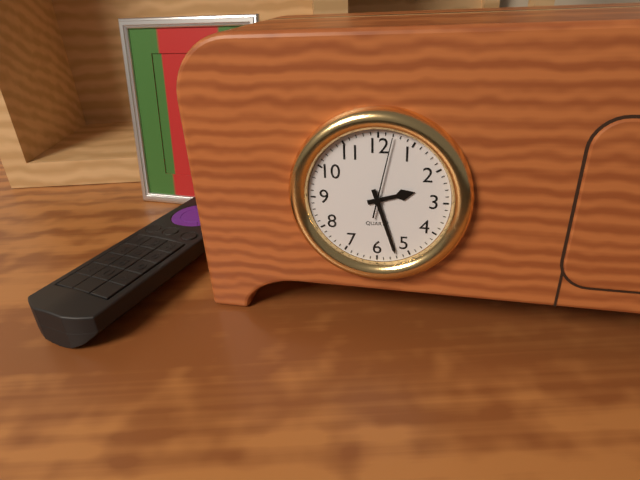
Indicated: 2 h 27 min 02 s
